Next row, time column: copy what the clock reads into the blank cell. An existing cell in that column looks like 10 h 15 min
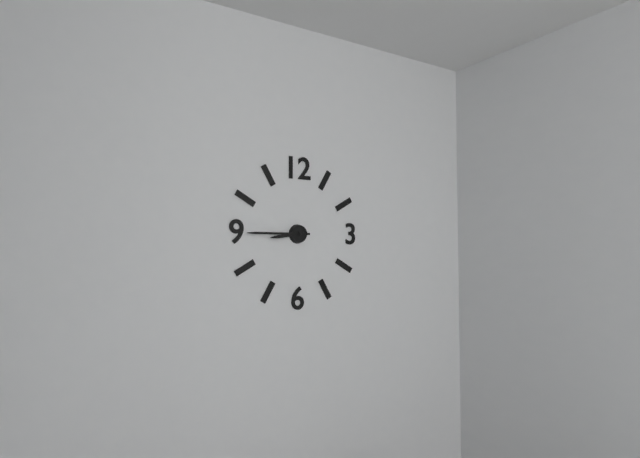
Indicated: 8 h 45 min
